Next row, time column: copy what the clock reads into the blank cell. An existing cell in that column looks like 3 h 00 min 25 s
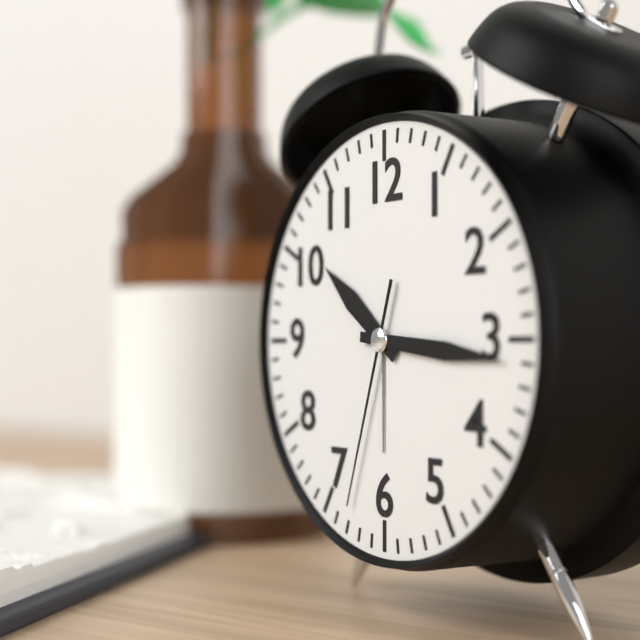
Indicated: 10 h 16 min 33 s
